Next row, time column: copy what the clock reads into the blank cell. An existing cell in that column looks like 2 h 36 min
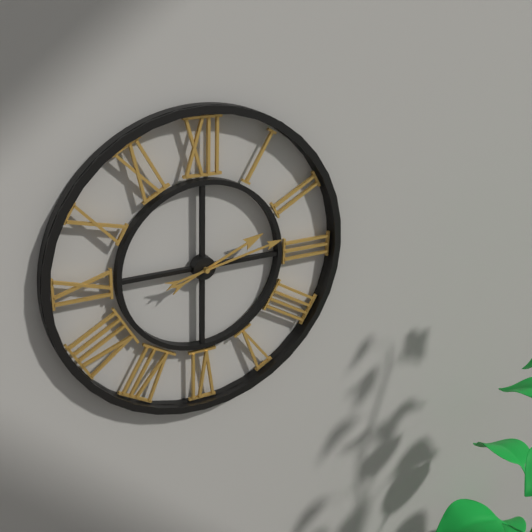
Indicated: 2 h 13 min
